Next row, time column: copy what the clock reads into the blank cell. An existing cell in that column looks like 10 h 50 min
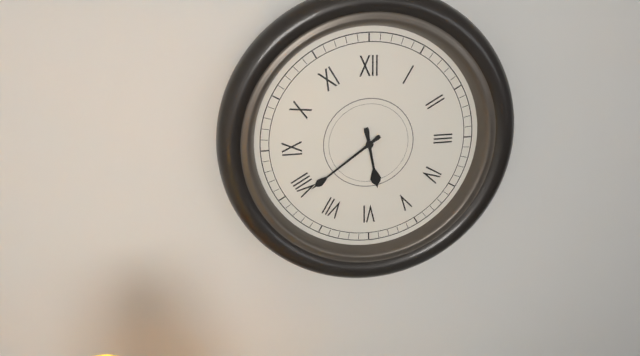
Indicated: 5 h 39 min
